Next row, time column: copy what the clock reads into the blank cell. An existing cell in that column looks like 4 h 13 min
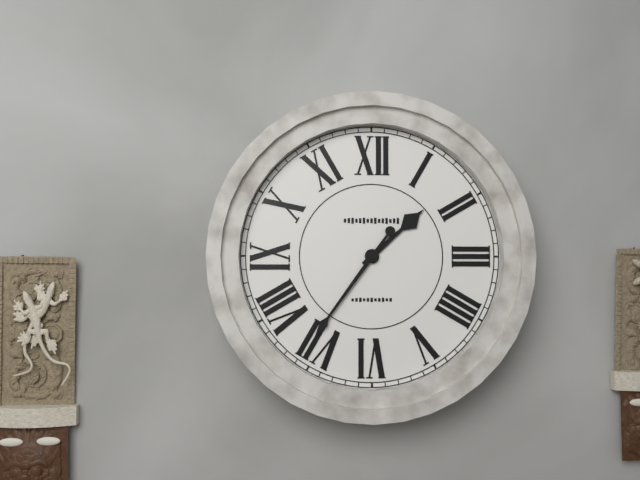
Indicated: 1 h 36 min
